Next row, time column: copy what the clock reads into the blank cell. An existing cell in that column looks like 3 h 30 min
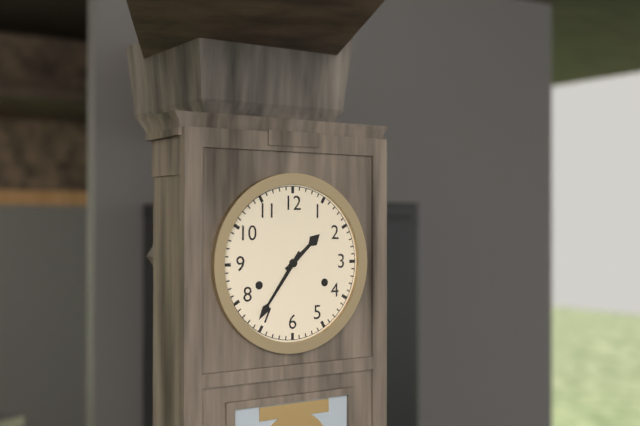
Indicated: 1 h 36 min
